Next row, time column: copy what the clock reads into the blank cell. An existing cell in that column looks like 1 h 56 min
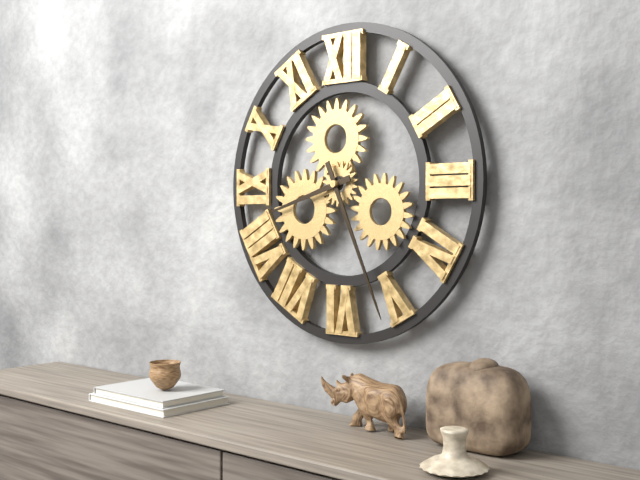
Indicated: 8 h 26 min
